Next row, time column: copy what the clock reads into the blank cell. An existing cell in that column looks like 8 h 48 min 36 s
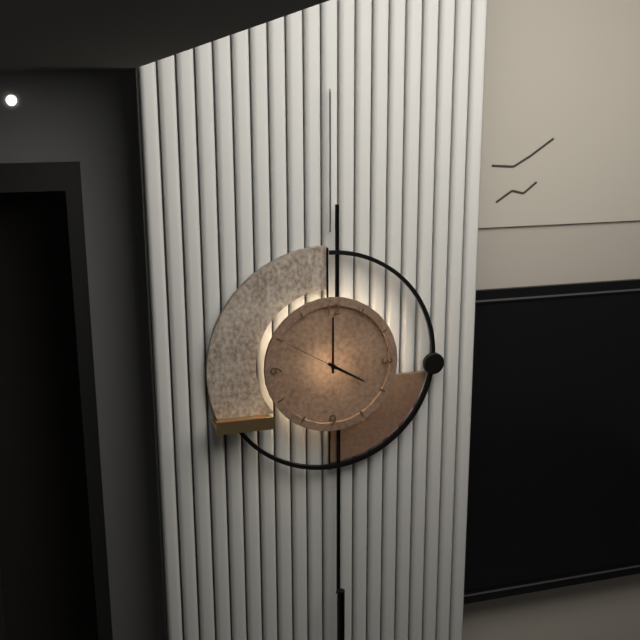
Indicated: 4 h 00 min 50 s
